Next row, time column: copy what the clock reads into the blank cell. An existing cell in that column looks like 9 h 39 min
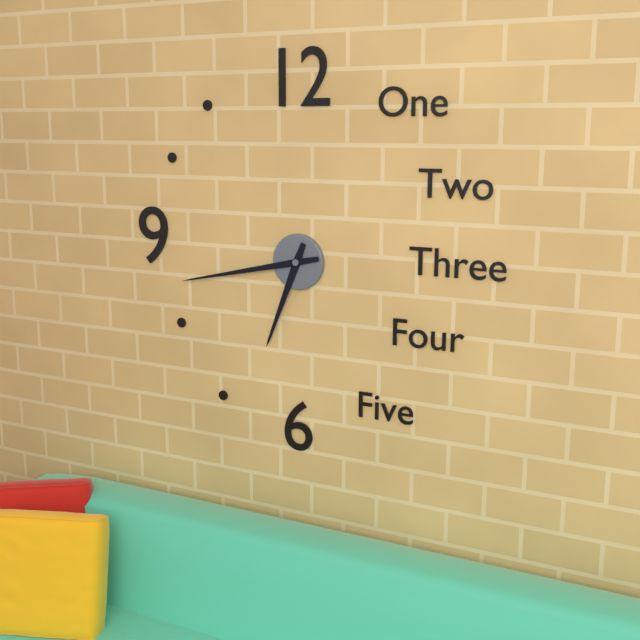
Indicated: 6 h 43 min
